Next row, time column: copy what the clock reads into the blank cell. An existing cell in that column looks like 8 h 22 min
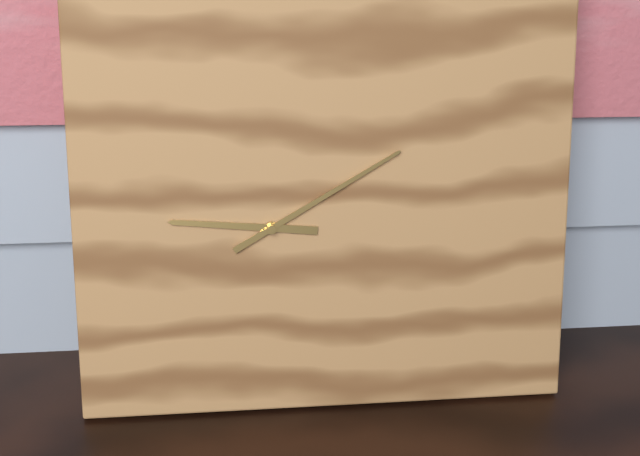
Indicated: 9 h 10 min
